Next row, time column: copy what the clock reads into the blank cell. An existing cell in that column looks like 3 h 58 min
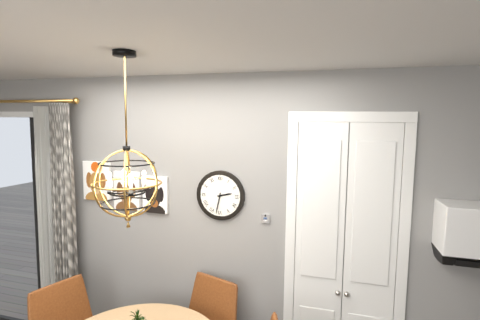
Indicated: 2 h 32 min
